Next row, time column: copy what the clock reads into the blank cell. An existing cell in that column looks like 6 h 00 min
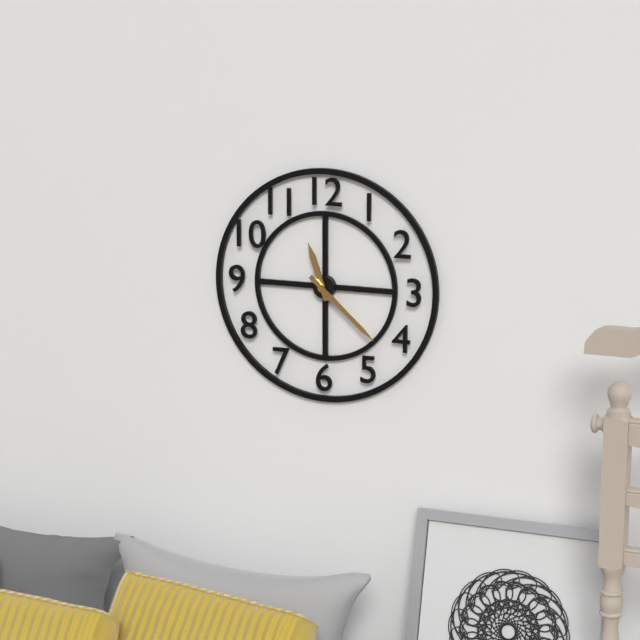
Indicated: 11 h 22 min
